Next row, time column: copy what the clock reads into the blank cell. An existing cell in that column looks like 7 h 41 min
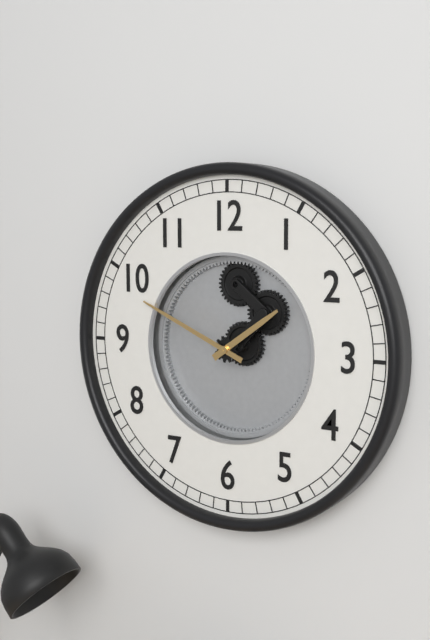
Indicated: 1 h 49 min
